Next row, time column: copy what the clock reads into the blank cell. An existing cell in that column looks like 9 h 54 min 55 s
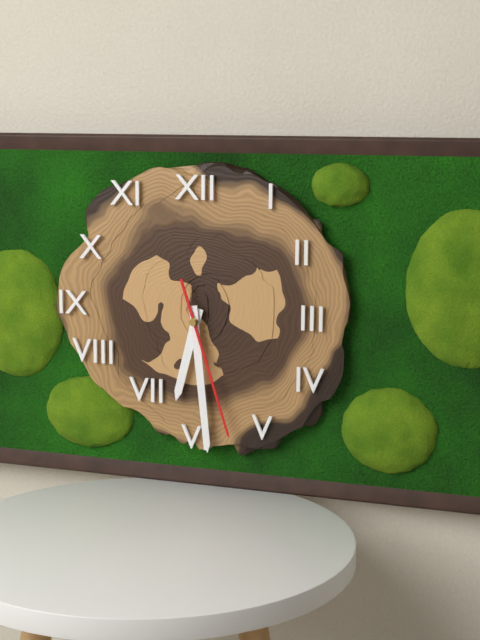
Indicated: 6 h 29 min 27 s
